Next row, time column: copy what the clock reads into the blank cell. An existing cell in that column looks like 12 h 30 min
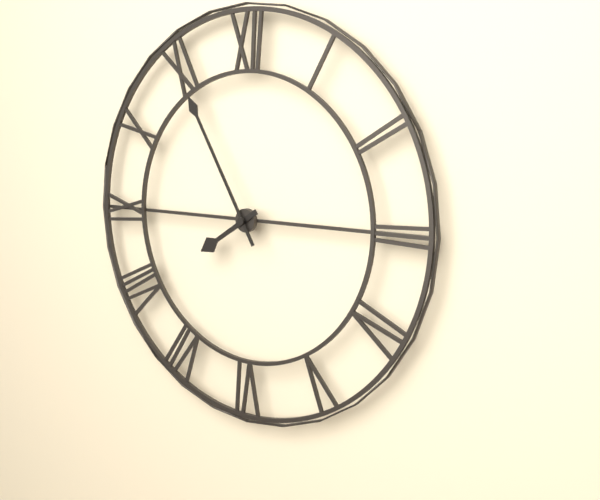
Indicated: 7 h 55 min
